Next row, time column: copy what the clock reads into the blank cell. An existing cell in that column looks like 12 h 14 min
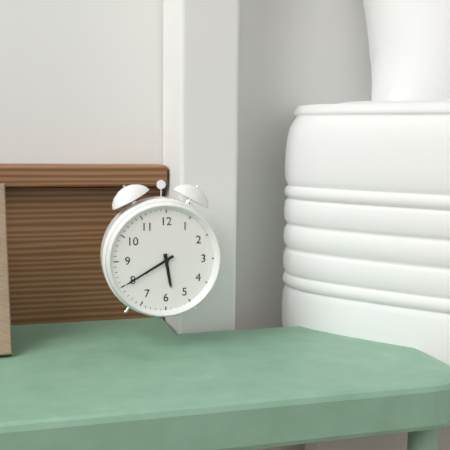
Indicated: 5 h 40 min
